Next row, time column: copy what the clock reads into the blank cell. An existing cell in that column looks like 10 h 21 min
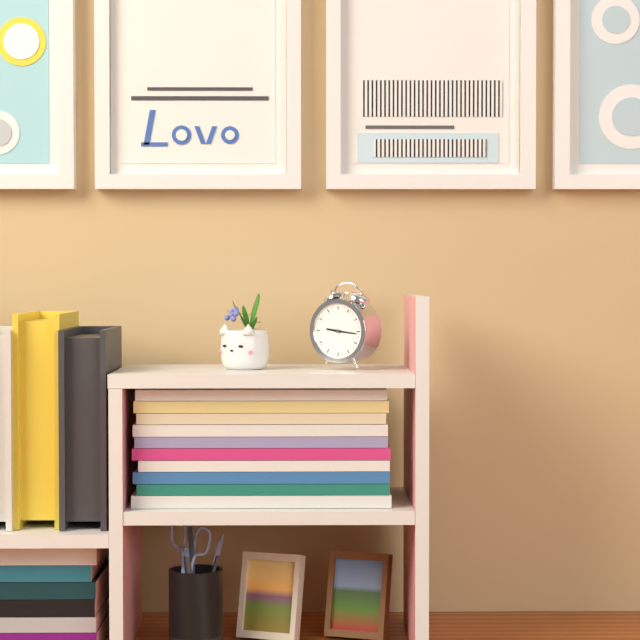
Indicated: 9 h 16 min
